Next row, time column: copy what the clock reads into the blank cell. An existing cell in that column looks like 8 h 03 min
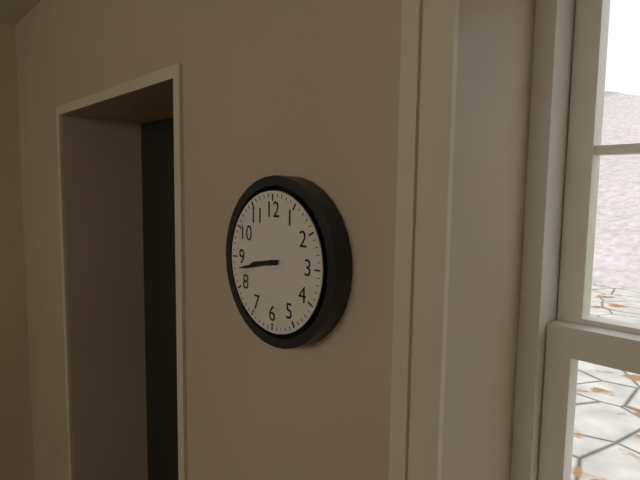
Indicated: 8 h 43 min
